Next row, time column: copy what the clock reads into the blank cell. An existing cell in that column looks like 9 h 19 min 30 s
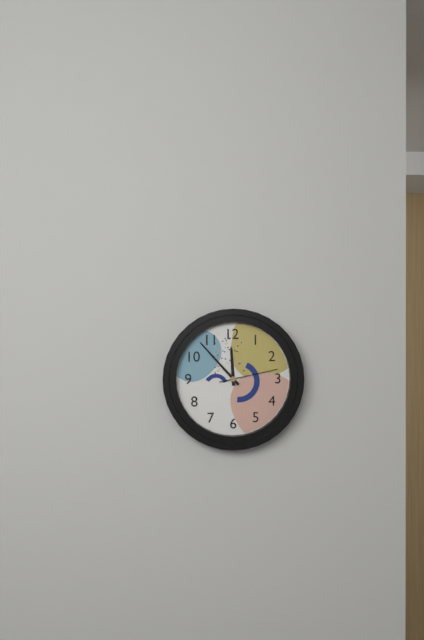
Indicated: 11 h 53 min 13 s
